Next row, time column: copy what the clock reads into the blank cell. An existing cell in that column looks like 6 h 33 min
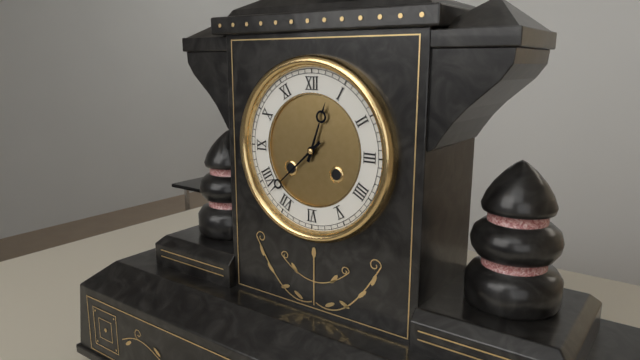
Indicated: 12 h 38 min
